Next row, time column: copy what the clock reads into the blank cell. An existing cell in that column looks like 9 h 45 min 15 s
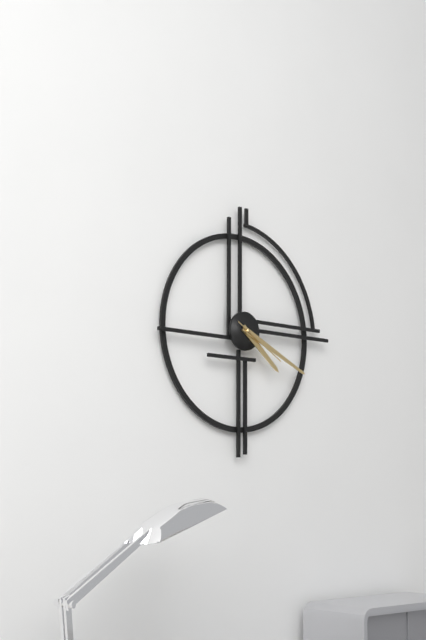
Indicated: 4 h 19 min 20 s
